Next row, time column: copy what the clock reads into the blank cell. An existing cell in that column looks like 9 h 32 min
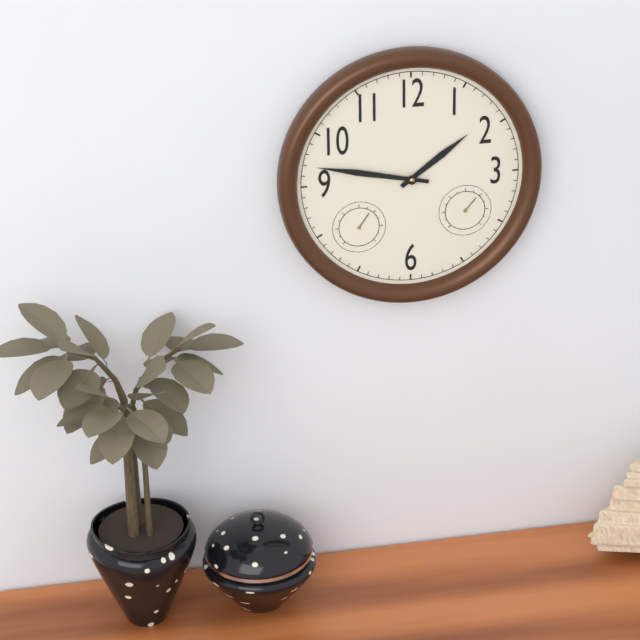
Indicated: 1 h 47 min
